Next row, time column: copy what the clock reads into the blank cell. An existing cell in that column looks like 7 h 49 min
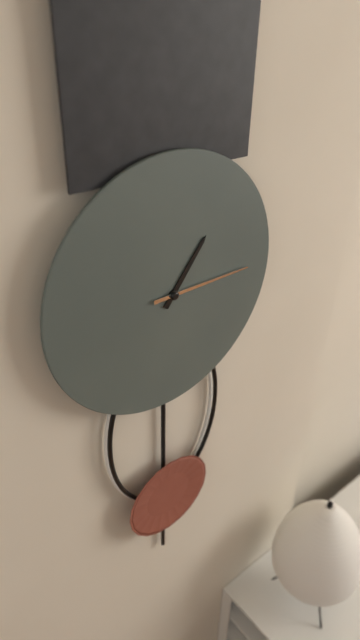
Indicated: 1 h 15 min
